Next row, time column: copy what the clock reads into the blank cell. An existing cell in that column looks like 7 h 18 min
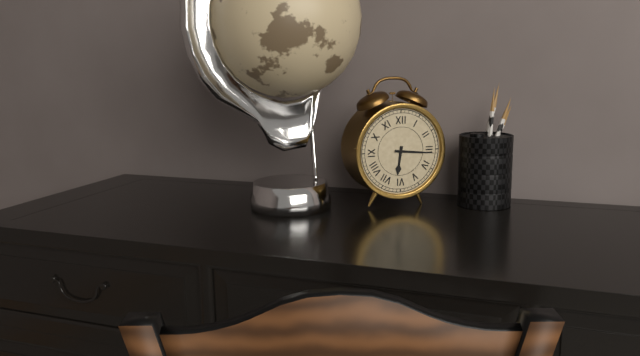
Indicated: 6 h 16 min
